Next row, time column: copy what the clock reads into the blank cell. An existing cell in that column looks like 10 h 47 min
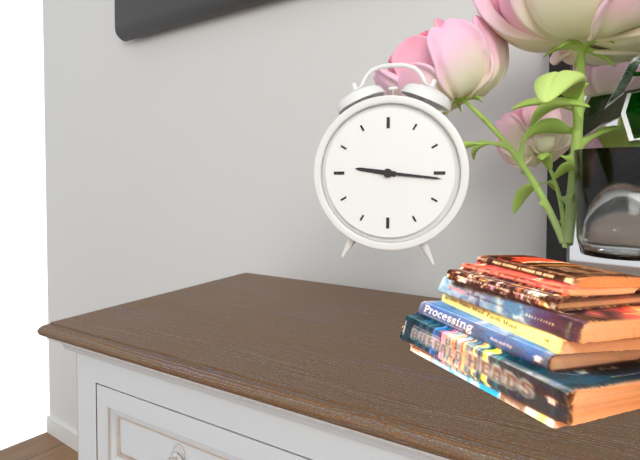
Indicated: 9 h 16 min
